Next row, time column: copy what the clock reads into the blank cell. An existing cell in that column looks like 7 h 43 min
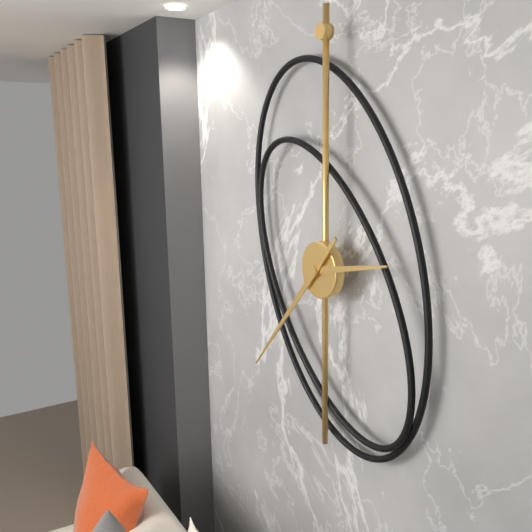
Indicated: 2 h 37 min
